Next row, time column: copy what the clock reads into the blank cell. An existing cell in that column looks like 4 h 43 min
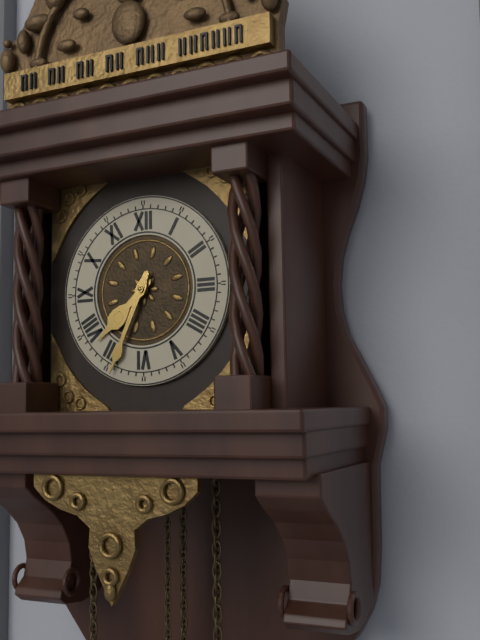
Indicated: 7 h 34 min
